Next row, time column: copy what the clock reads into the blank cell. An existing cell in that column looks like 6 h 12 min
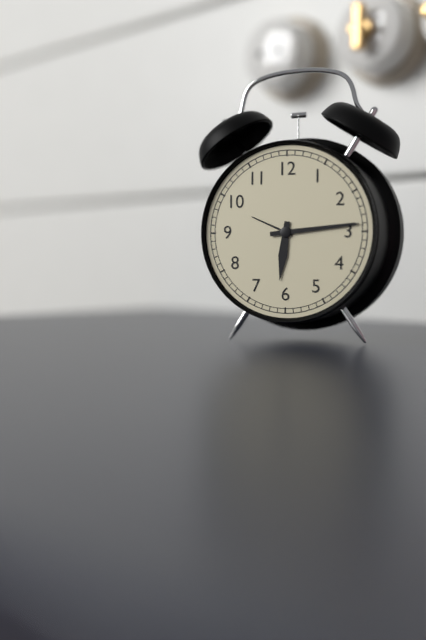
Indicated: 6 h 14 min
